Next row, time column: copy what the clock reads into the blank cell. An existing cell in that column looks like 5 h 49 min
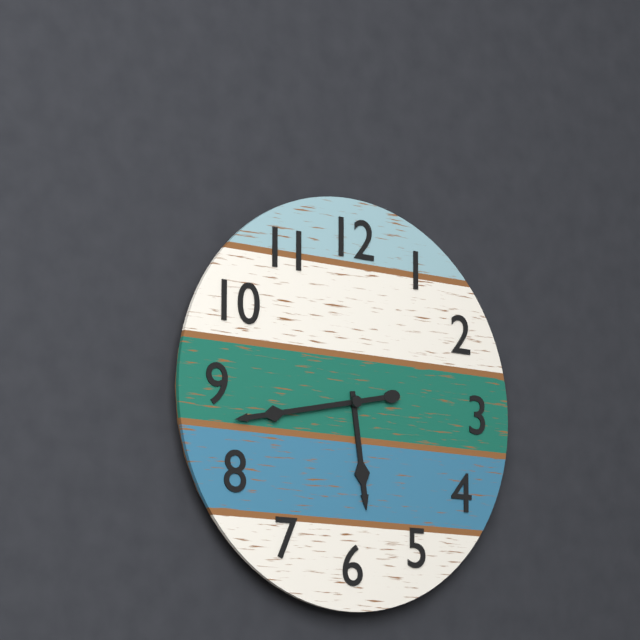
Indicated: 5 h 43 min
